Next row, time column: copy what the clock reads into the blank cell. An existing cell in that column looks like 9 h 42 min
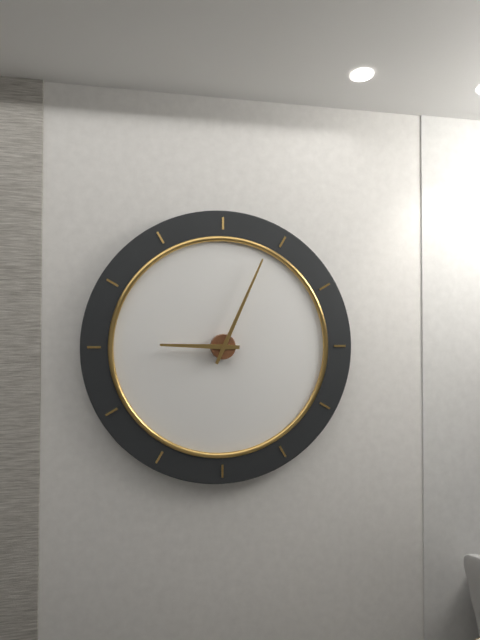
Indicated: 9 h 04 min
